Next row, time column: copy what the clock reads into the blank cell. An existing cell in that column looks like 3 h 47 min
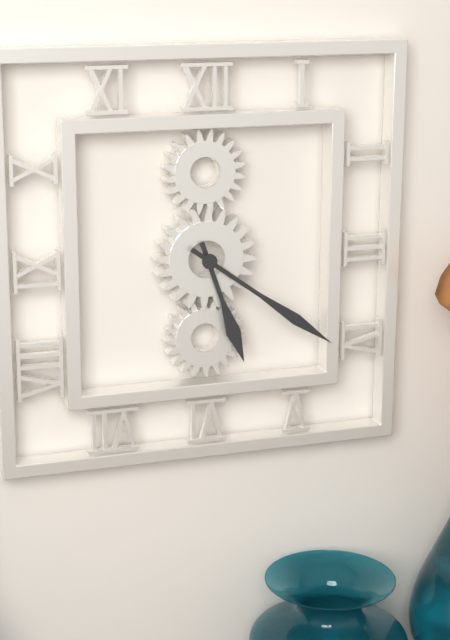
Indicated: 5 h 21 min
